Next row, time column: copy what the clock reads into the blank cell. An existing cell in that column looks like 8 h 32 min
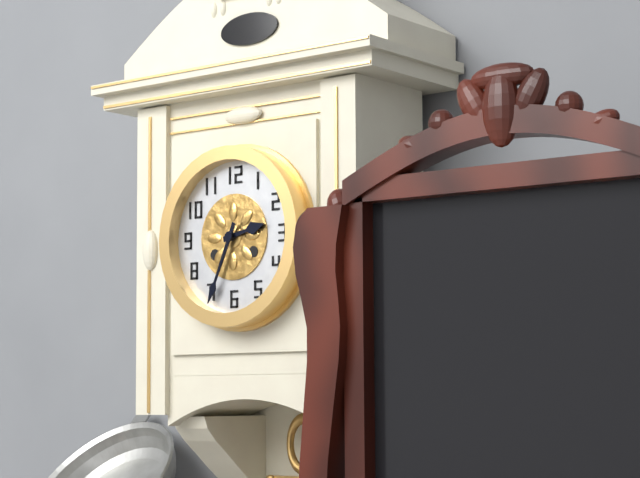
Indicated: 2 h 34 min
